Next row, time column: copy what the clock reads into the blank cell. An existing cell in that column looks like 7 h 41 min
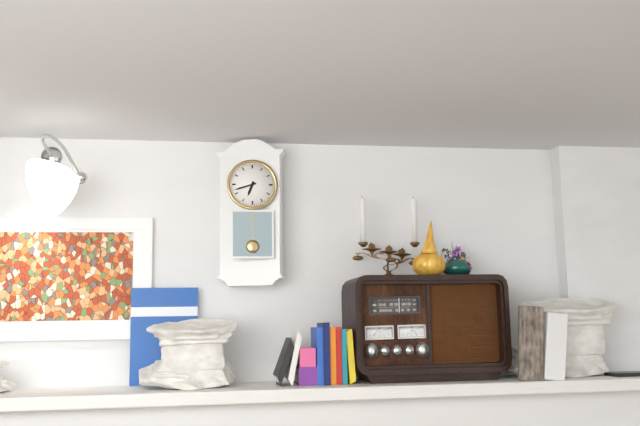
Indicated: 6 h 42 min
